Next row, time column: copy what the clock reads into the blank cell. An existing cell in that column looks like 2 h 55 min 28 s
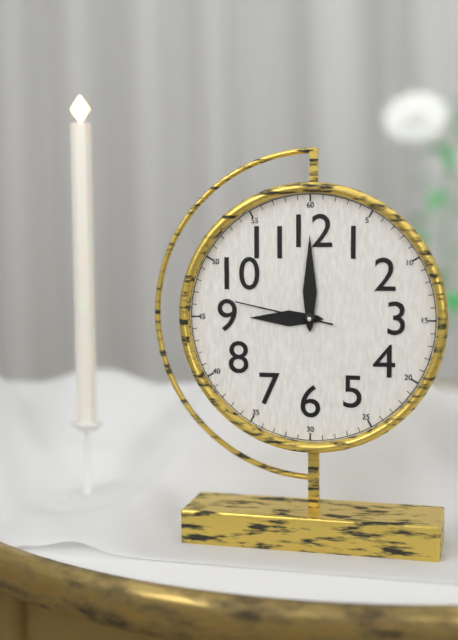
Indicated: 9 h 00 min 47 s
